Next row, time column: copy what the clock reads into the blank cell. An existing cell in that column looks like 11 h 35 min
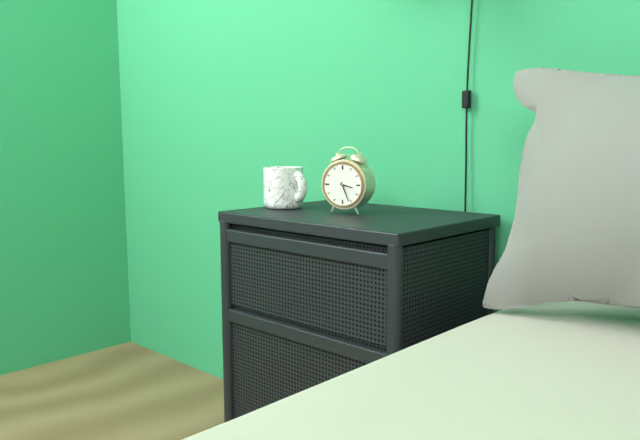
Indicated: 3 h 26 min
